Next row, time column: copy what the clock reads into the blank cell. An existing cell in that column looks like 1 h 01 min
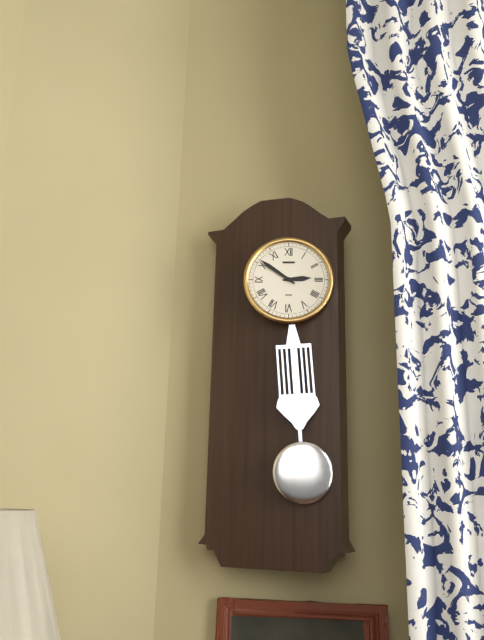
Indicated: 2 h 51 min
